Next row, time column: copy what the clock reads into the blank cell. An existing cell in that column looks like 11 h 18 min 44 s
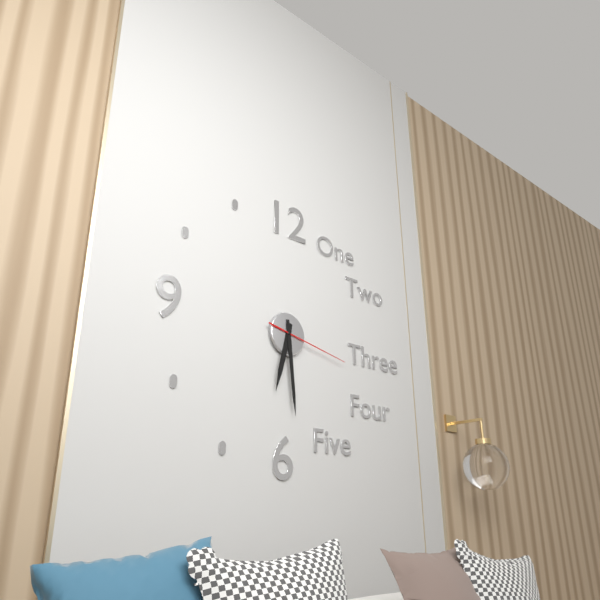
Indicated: 6 h 29 min 17 s
